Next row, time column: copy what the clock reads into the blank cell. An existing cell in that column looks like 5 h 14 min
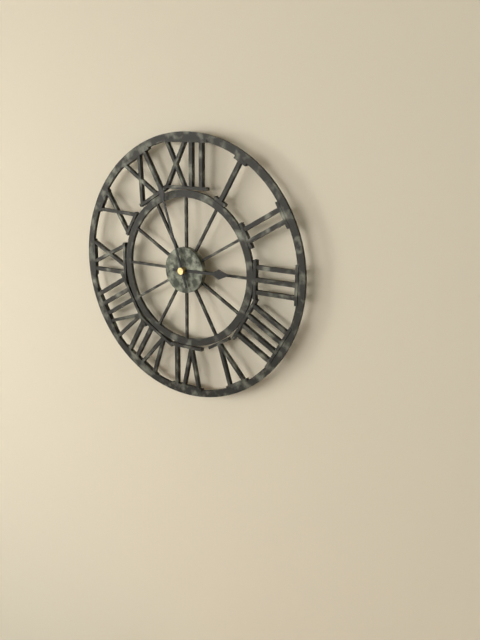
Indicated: 2 h 57 min
